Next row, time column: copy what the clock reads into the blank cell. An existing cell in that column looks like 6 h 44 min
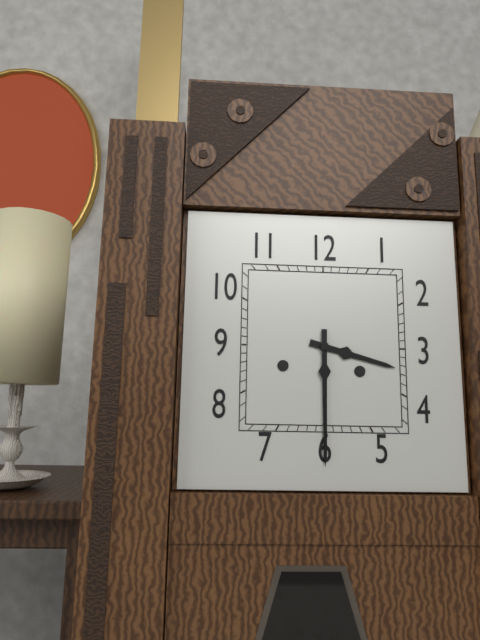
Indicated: 3 h 30 min
